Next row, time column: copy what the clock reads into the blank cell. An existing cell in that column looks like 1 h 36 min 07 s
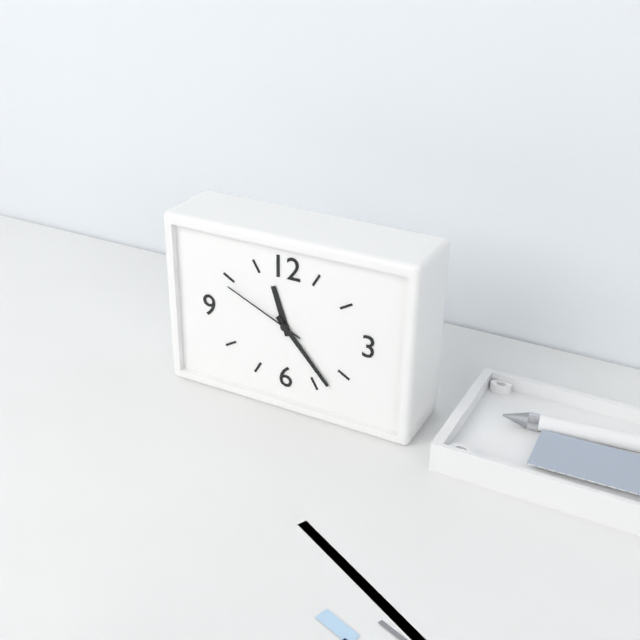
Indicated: 11 h 23 min 49 s
